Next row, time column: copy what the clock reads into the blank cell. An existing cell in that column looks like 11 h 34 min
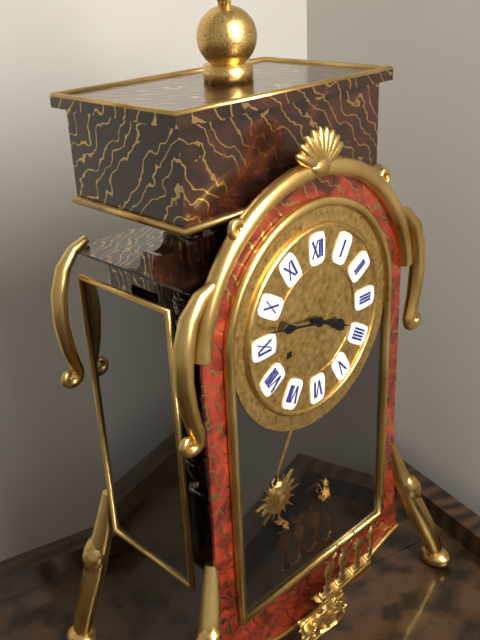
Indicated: 3 h 47 min
